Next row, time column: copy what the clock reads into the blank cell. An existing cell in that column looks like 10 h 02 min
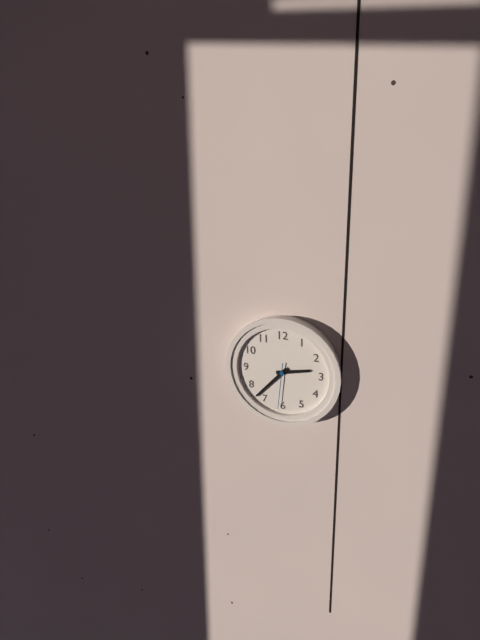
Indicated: 2 h 37 min
